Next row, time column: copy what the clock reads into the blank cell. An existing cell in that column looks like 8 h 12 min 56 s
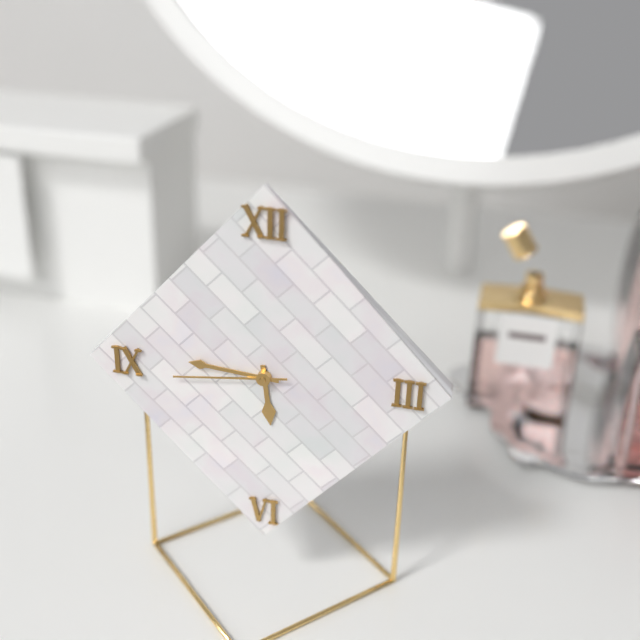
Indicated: 5 h 46 min 44 s
